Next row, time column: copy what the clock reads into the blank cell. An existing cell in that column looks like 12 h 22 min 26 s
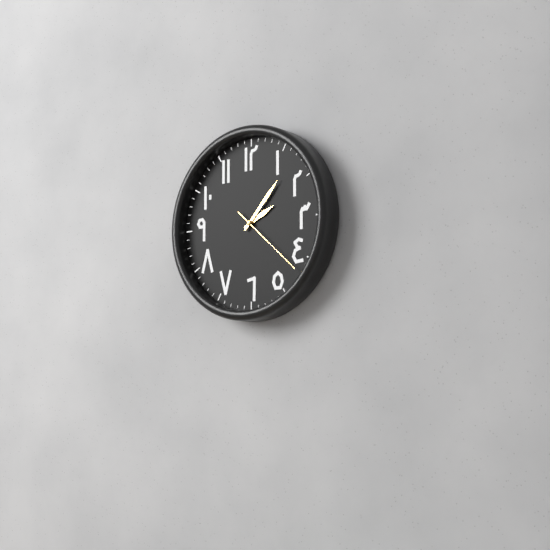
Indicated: 2 h 07 min 22 s
